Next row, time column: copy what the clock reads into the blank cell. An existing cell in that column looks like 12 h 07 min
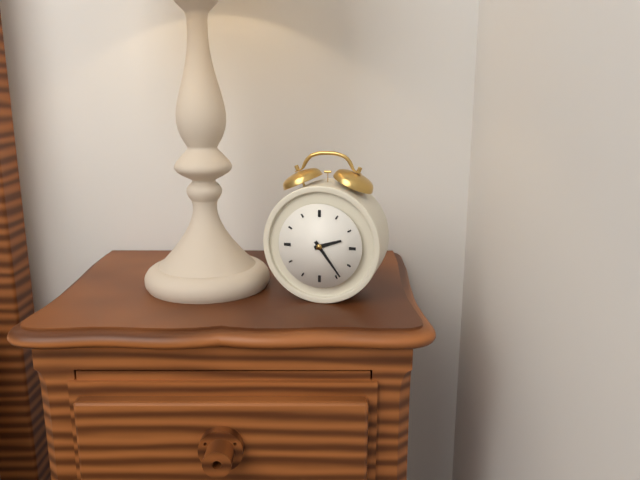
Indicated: 2 h 24 min
